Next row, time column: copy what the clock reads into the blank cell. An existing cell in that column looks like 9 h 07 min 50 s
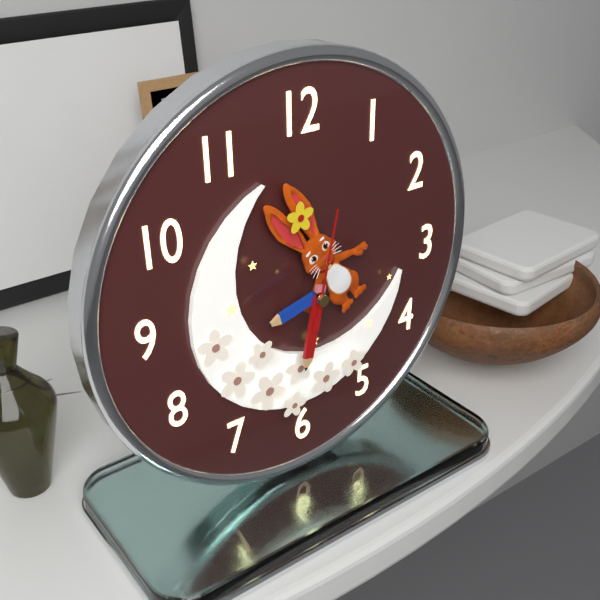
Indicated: 8 h 32 min 02 s
